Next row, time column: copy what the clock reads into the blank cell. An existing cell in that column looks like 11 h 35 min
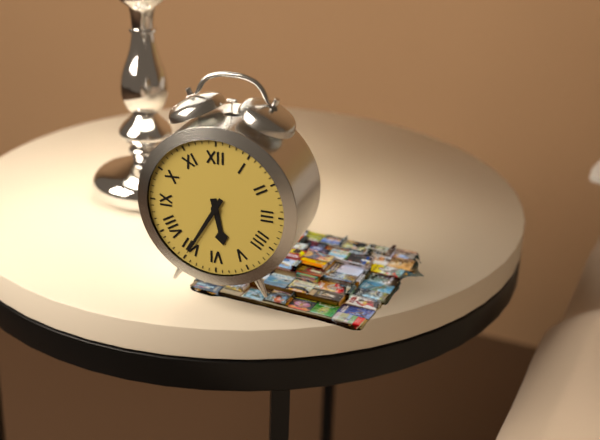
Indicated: 5 h 35 min
